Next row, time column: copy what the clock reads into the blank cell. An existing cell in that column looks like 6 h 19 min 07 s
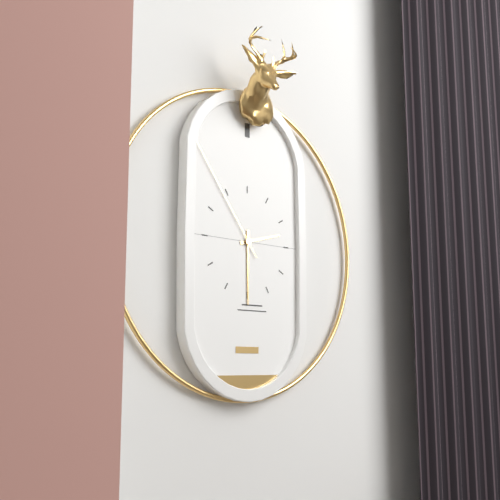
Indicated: 2 h 30 min 54 s
